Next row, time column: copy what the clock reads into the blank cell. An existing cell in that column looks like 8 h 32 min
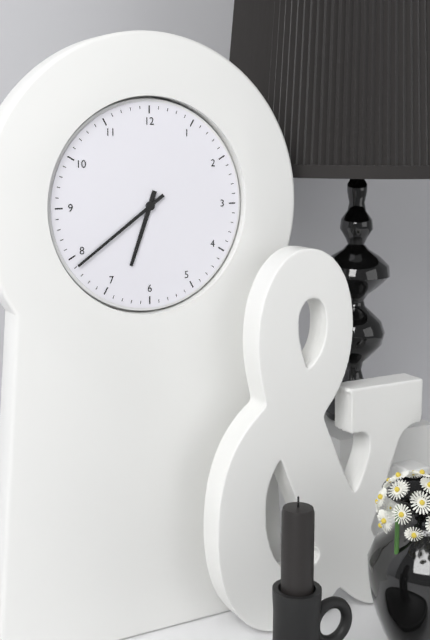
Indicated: 6 h 39 min
